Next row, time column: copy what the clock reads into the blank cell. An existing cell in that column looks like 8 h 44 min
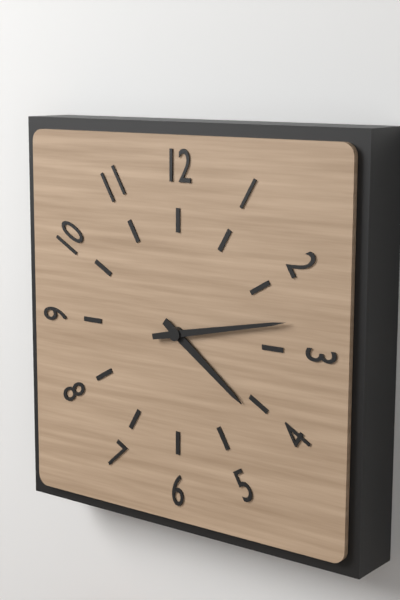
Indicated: 4 h 13 min
